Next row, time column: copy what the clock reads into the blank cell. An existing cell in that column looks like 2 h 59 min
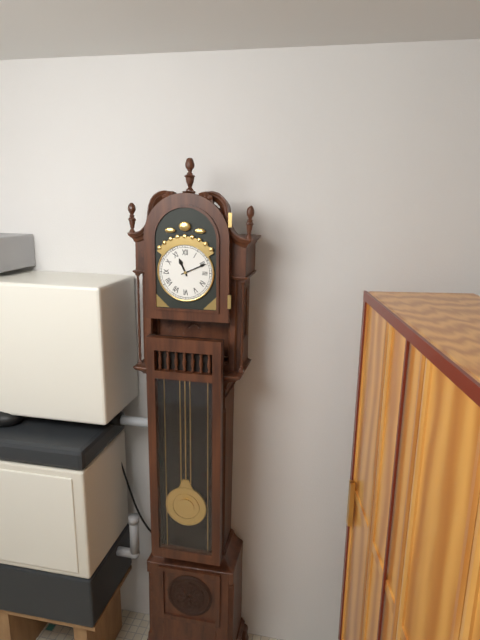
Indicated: 11 h 11 min
